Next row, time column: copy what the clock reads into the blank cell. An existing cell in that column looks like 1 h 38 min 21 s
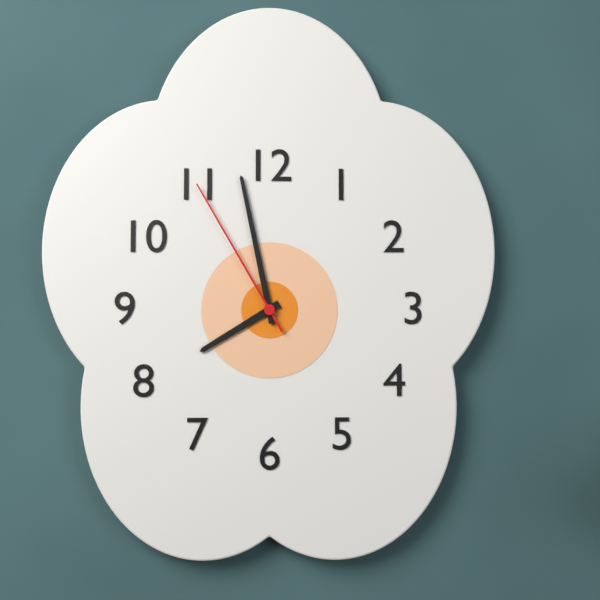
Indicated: 7 h 58 min 55 s
